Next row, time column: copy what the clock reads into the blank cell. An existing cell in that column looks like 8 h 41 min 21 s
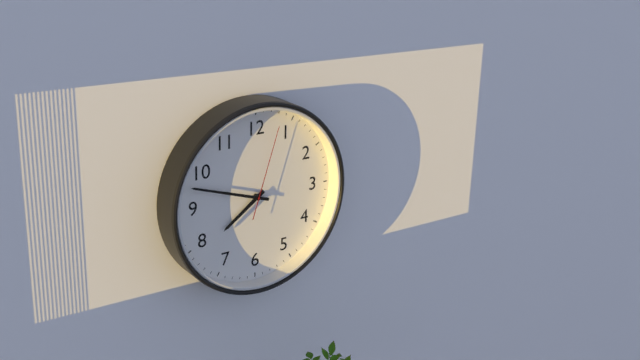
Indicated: 7 h 48 min 03 s
